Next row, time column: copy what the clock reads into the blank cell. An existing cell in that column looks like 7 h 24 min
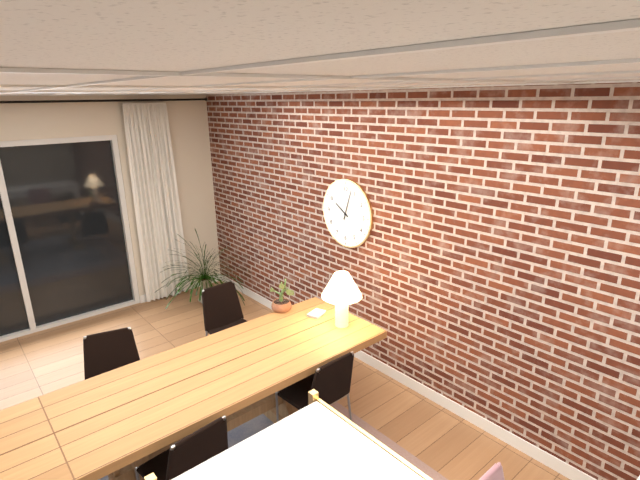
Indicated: 10 h 03 min
